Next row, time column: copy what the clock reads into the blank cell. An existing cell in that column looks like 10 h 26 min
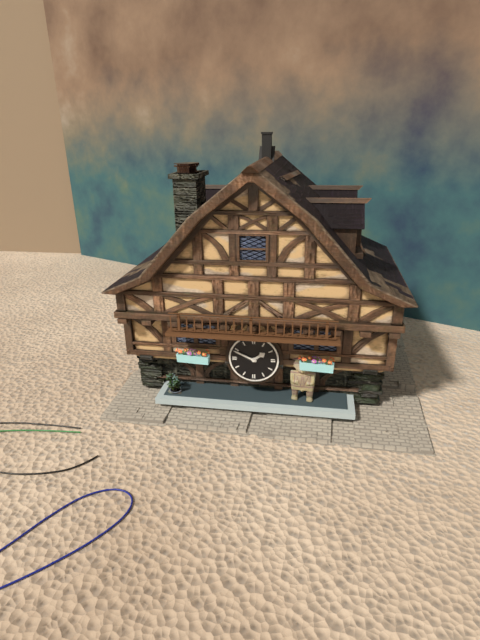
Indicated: 1 h 49 min
